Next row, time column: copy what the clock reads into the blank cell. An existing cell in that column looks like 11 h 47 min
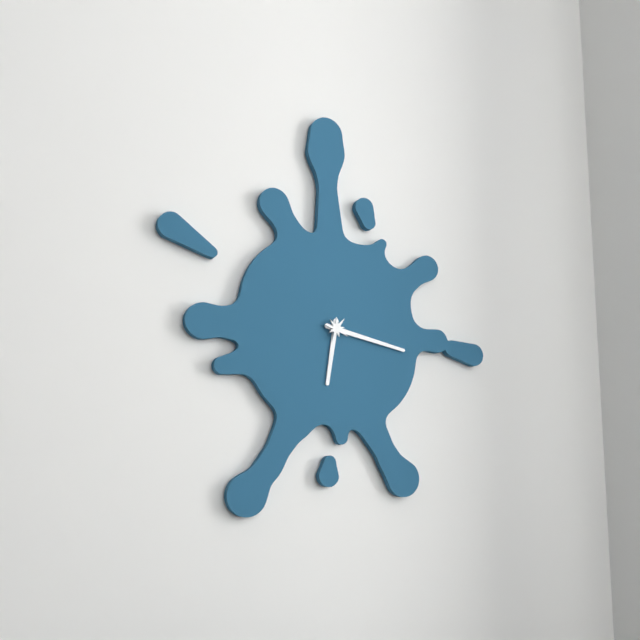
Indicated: 6 h 17 min
